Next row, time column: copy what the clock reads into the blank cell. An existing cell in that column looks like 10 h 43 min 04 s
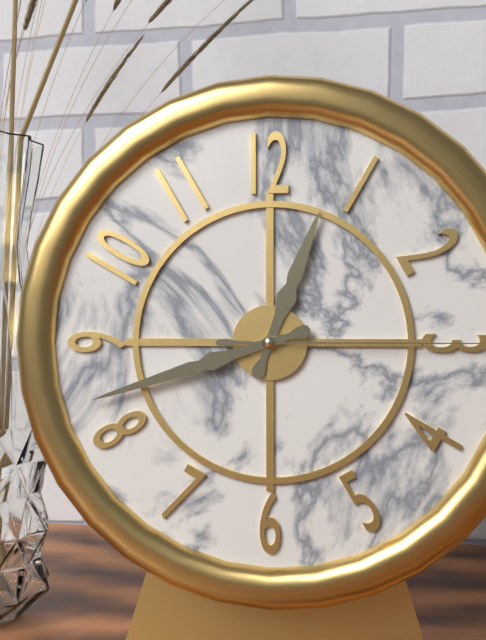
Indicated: 12 h 42 min 15 s
